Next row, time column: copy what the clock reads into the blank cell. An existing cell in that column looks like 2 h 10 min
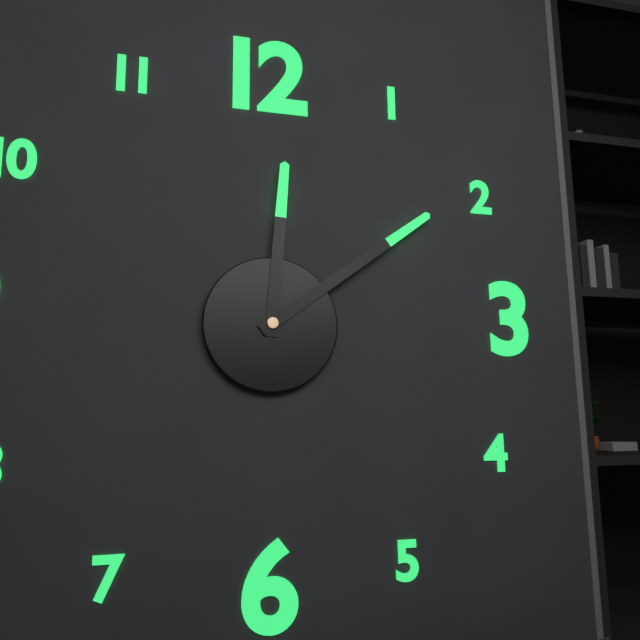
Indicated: 12 h 09 min
